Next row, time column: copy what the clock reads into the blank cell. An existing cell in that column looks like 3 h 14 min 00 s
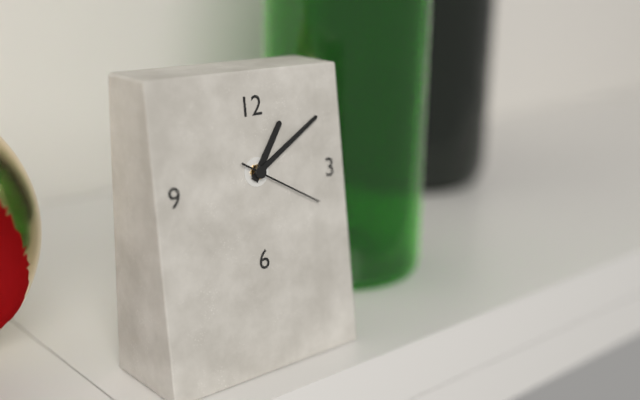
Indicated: 1 h 10 min 20 s
